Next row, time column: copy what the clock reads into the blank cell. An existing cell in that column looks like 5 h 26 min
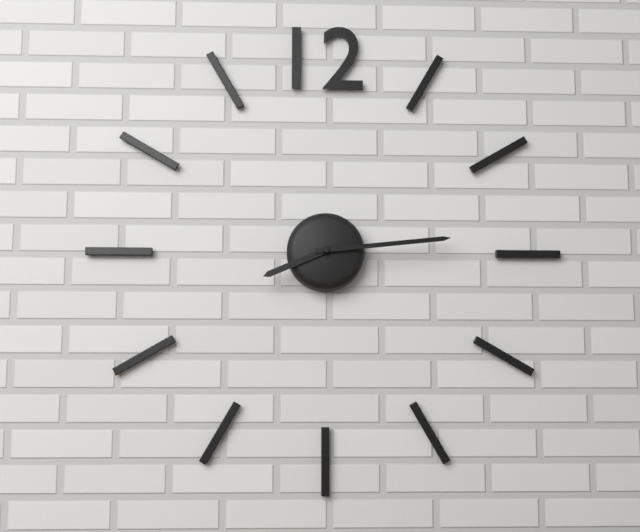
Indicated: 8 h 14 min
